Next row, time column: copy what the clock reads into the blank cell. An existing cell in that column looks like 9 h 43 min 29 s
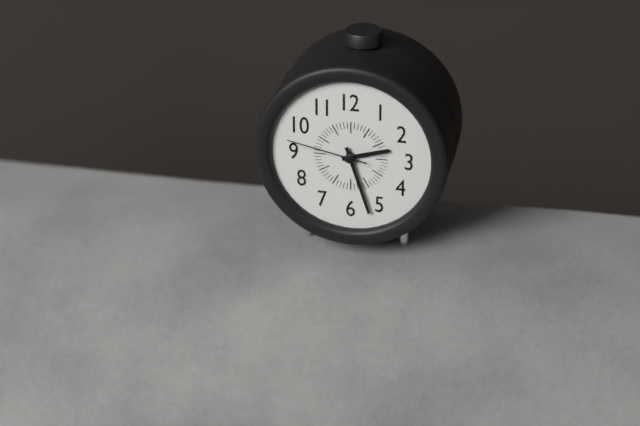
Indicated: 2 h 27 min 47 s
